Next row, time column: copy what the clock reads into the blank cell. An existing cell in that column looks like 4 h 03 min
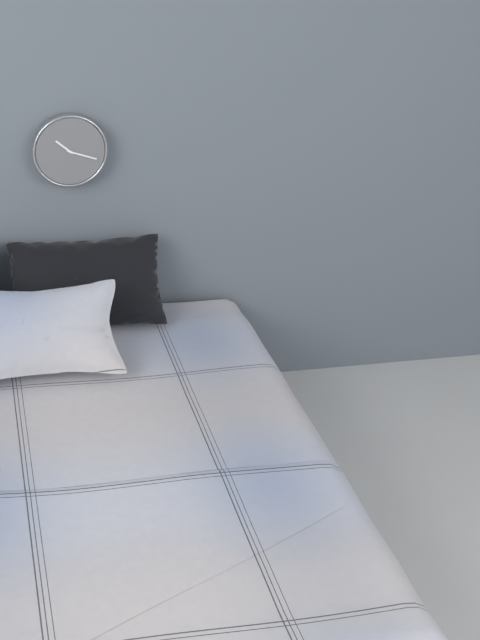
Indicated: 10 h 18 min
